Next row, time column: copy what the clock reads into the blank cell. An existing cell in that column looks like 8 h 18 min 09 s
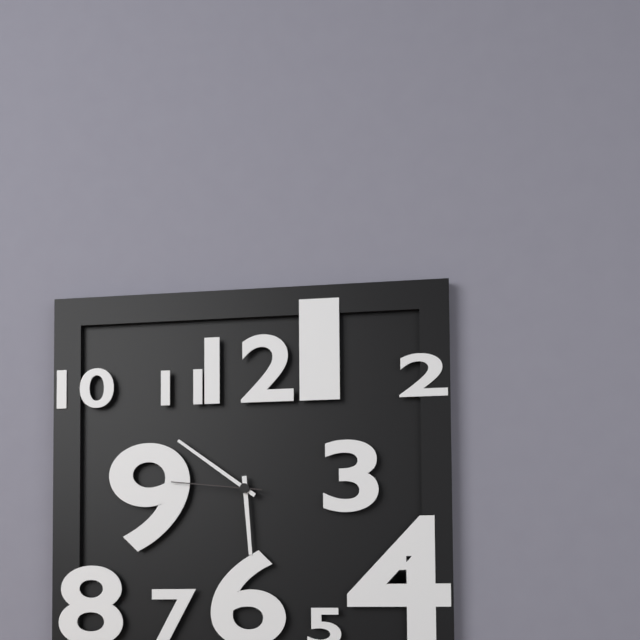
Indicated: 5 h 51 min 46 s
